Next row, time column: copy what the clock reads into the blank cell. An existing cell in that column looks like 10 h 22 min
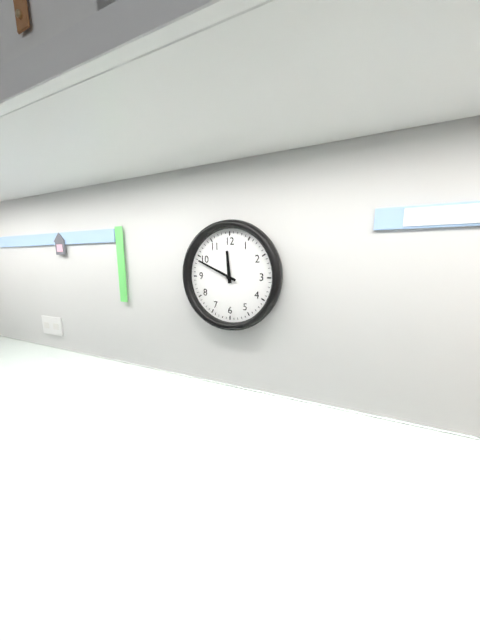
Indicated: 11 h 49 min
